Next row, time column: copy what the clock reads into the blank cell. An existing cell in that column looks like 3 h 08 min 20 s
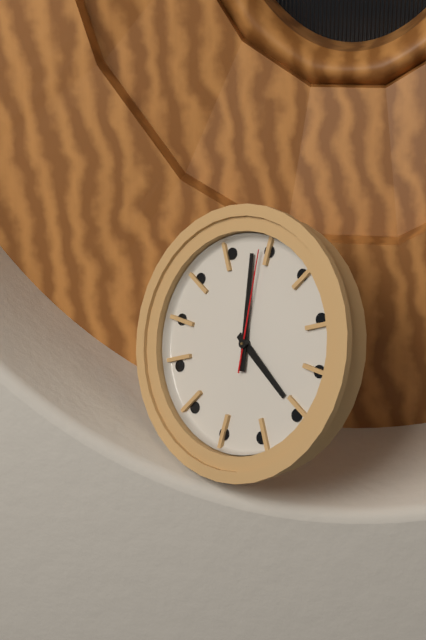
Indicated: 3 h 58 min 59 s
